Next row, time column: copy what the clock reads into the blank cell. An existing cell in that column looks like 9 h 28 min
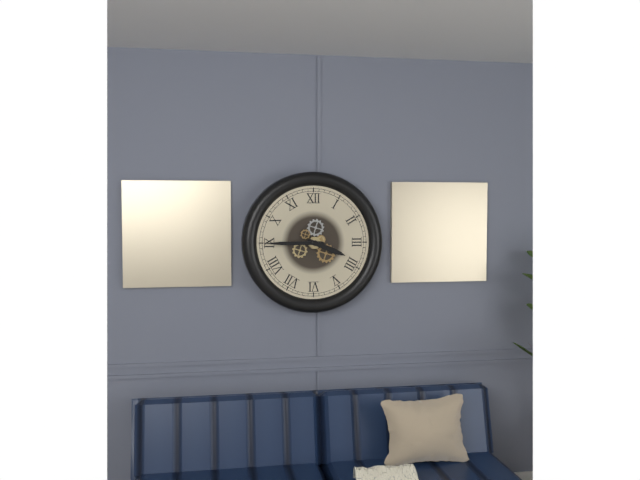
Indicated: 3 h 45 min
